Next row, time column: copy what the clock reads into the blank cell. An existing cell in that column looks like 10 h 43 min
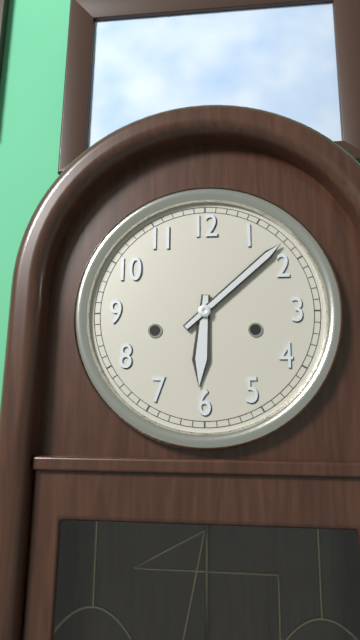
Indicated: 6 h 08 min
